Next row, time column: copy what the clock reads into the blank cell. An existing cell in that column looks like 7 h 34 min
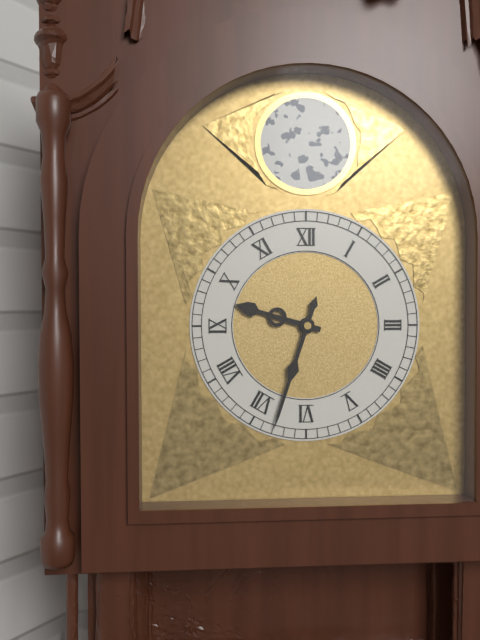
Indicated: 9 h 33 min
